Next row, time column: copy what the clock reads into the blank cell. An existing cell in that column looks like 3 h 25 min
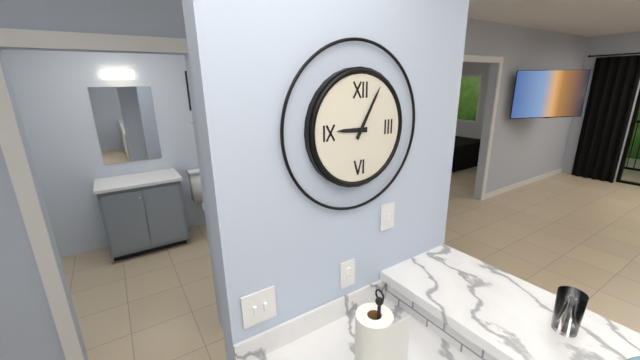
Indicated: 9 h 05 min
